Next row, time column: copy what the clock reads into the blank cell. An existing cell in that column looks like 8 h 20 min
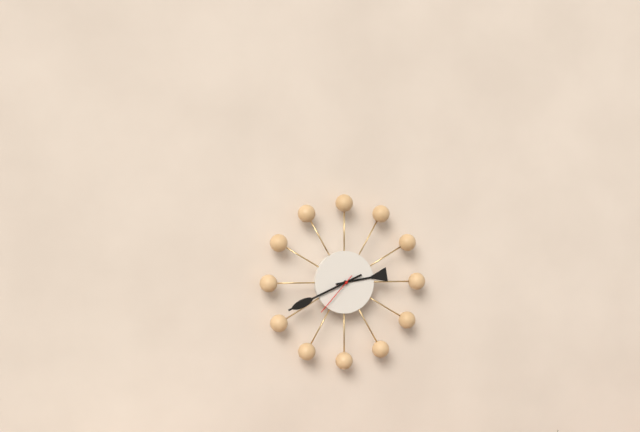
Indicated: 2 h 41 min
